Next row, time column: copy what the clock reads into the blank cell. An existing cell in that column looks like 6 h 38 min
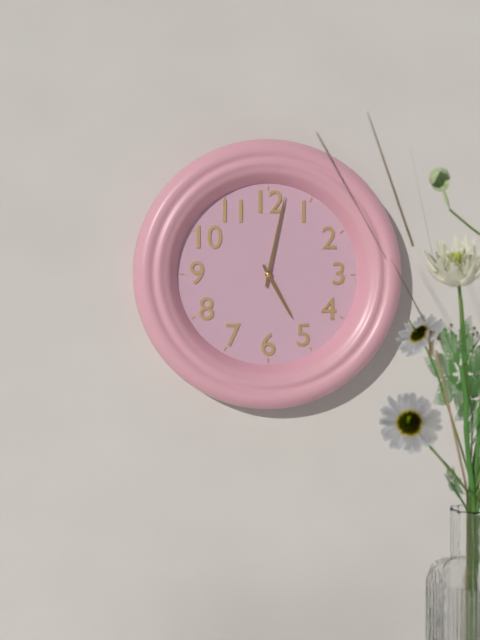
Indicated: 5 h 02 min
